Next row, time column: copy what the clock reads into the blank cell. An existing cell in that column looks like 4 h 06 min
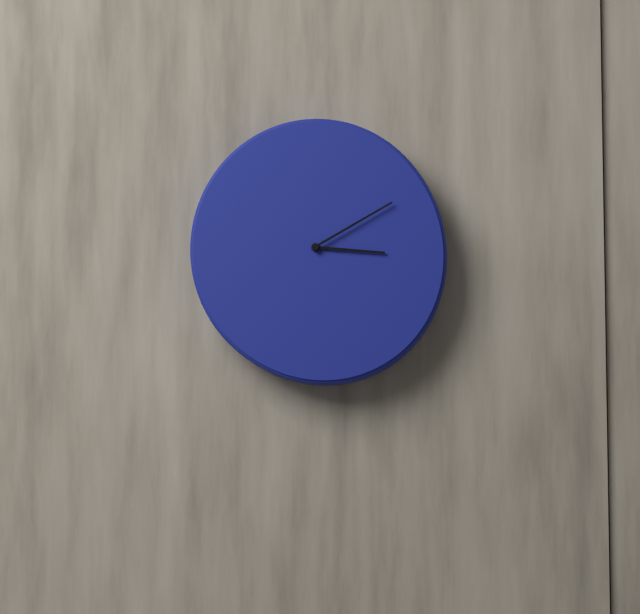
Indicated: 3 h 10 min
